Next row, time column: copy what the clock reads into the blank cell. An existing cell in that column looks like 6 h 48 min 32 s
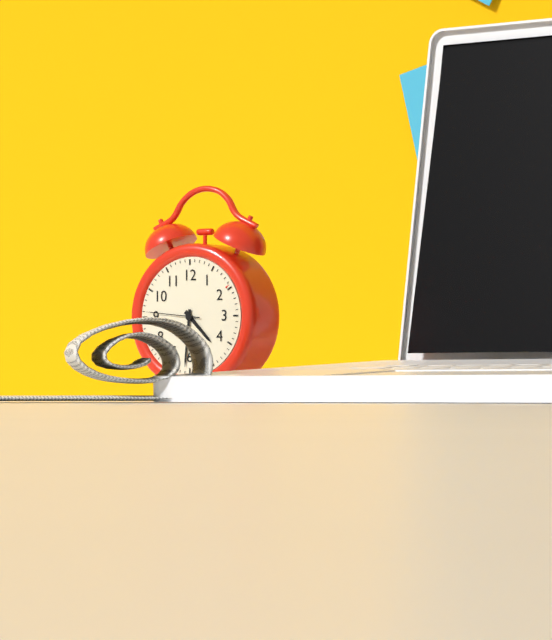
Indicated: 4 h 31 min 46 s
